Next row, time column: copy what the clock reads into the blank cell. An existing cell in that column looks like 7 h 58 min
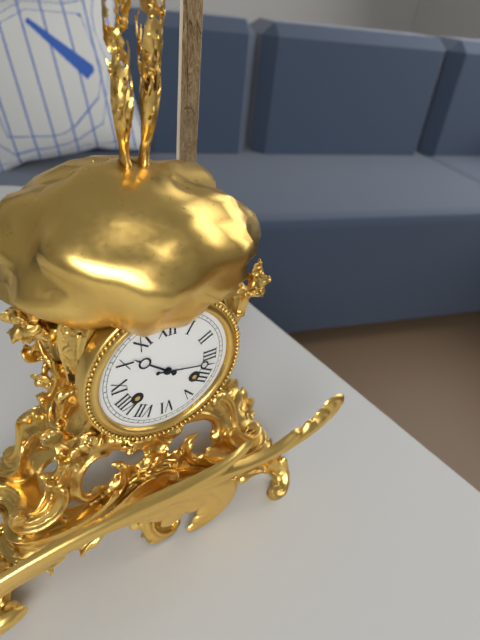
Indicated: 10 h 17 min
